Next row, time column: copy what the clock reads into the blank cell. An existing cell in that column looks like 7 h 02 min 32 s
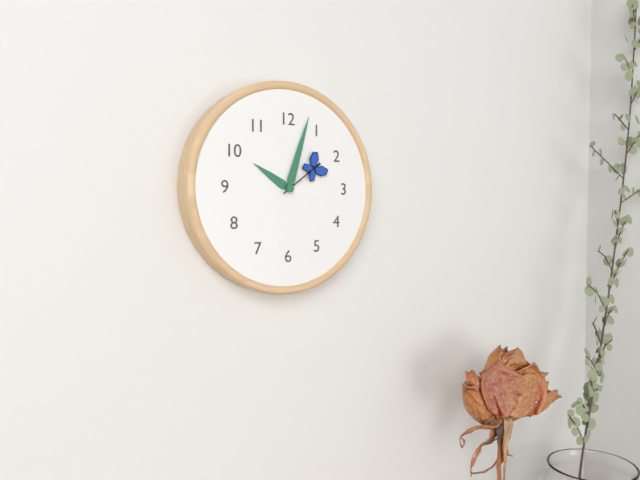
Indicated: 10 h 03 min 09 s
